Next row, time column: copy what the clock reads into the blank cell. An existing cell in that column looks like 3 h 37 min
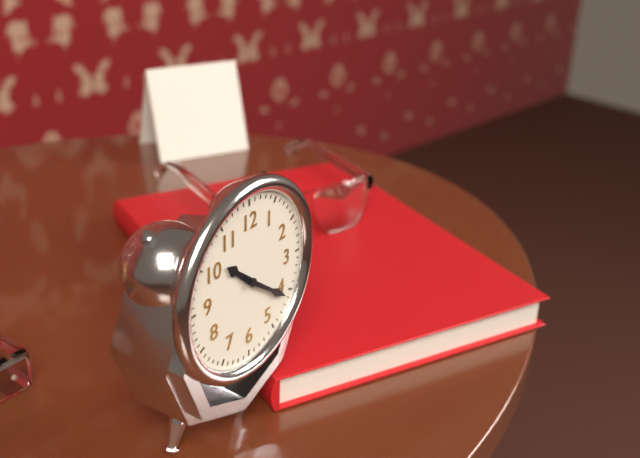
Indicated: 10 h 21 min
